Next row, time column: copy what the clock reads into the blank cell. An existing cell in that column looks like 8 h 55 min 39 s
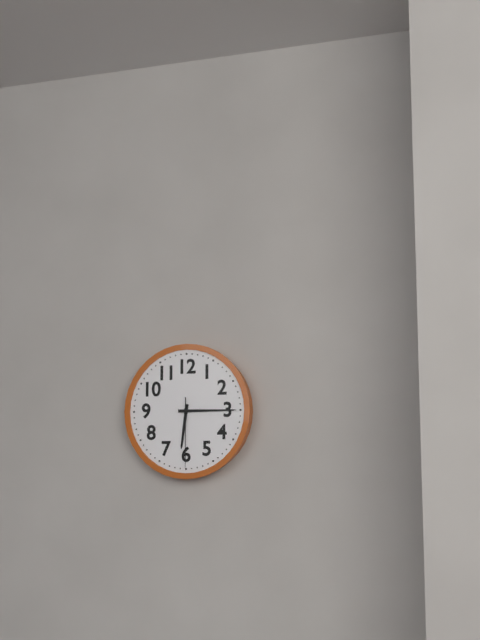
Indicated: 6 h 15 min 30 s
